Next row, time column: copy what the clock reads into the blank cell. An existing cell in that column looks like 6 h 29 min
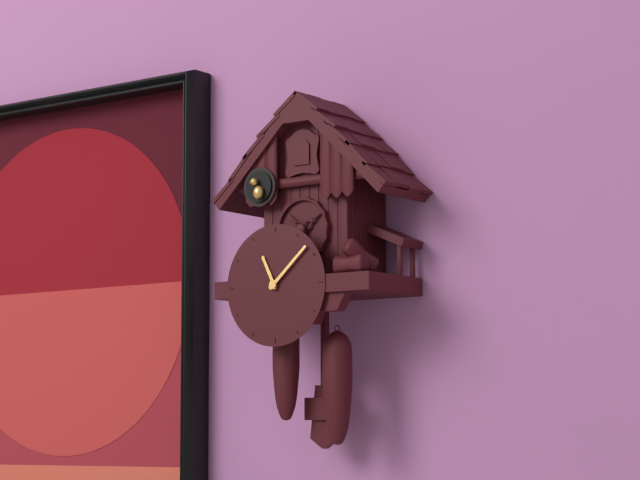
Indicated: 11 h 08 min
